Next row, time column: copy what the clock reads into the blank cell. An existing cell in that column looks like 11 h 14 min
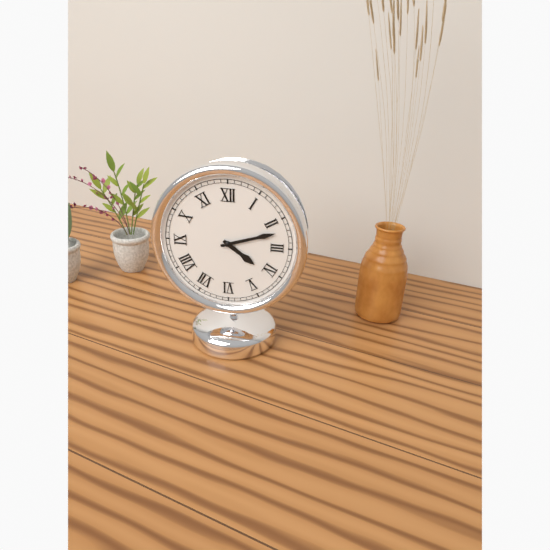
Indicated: 4 h 12 min
